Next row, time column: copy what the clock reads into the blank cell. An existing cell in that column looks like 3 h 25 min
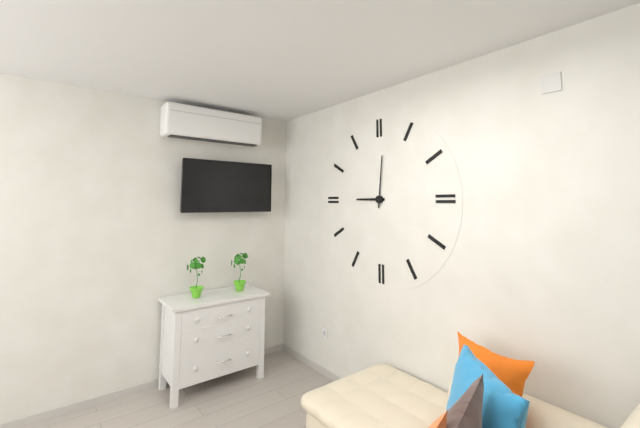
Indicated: 9 h 01 min
